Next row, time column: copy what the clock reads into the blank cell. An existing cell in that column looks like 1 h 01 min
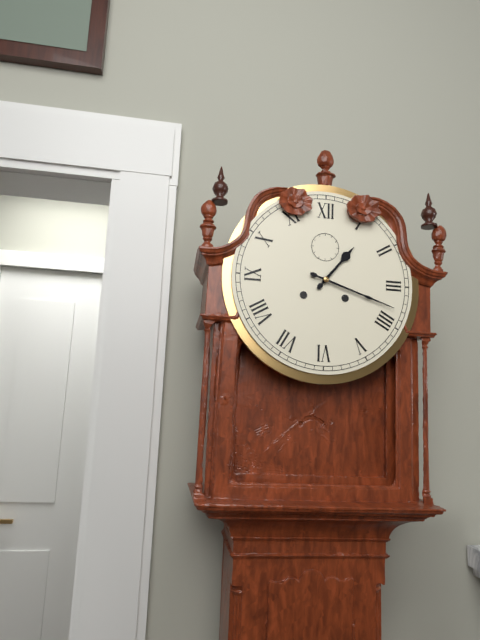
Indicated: 1 h 18 min
